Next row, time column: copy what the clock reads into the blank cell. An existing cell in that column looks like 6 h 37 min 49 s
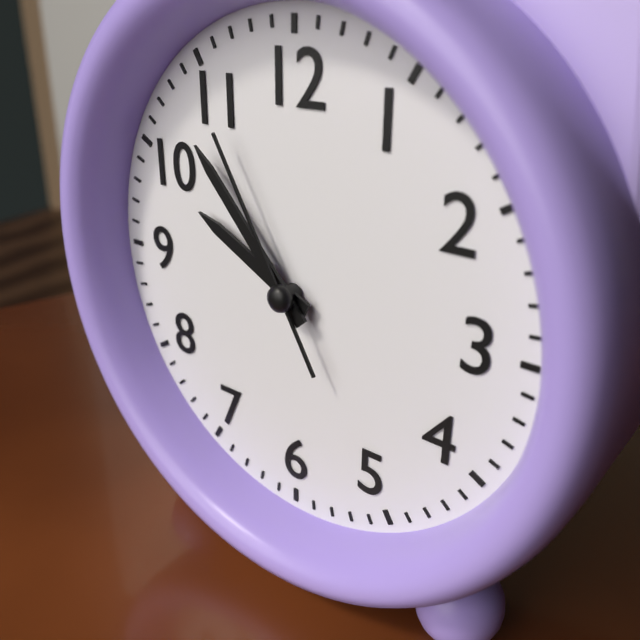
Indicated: 9 h 53 min 55 s
